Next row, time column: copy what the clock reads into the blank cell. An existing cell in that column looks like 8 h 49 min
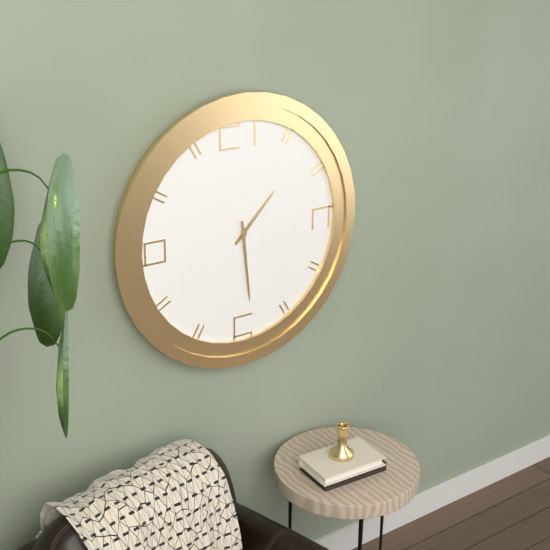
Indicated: 1 h 29 min
